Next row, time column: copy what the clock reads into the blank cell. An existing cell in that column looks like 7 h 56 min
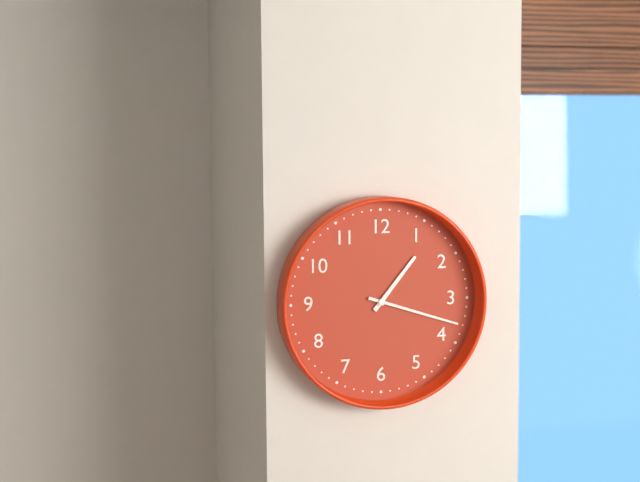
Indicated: 1 h 18 min
